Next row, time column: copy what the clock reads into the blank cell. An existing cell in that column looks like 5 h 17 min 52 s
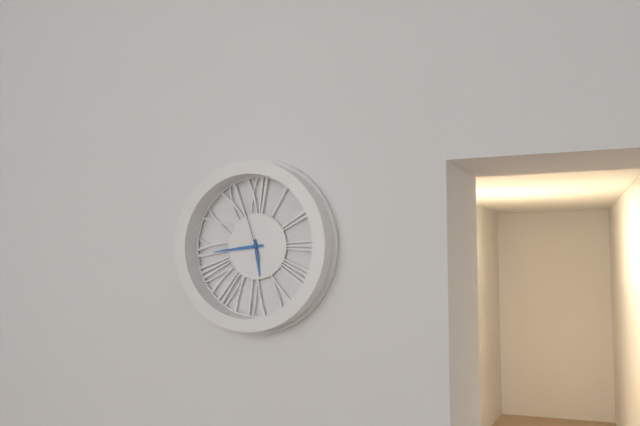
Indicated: 5 h 44 min 57 s
